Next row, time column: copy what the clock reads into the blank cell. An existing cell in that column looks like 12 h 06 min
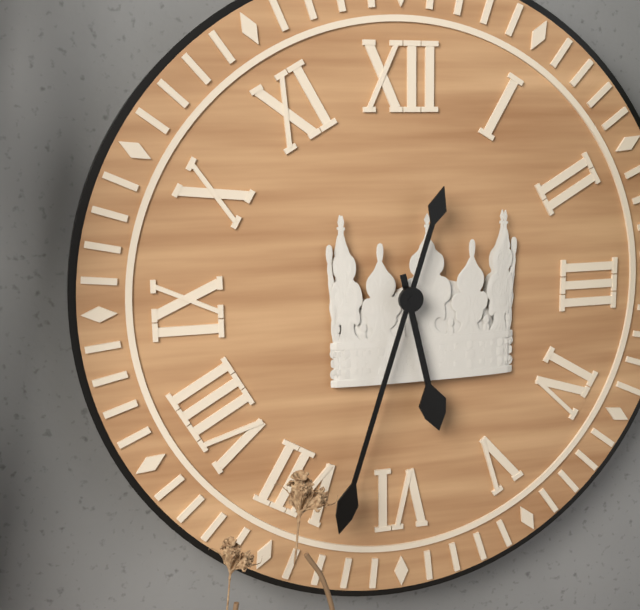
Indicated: 5 h 33 min
